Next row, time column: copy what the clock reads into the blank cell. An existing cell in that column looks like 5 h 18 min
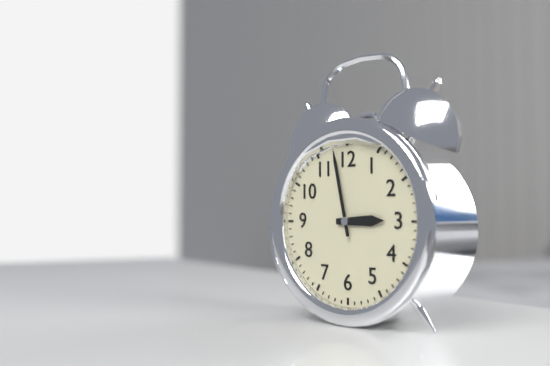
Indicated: 2 h 58 min
